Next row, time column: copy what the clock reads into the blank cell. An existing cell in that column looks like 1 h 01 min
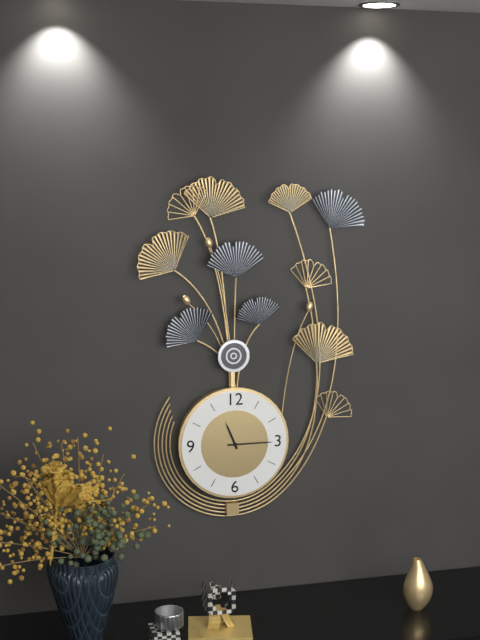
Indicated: 11 h 15 min
